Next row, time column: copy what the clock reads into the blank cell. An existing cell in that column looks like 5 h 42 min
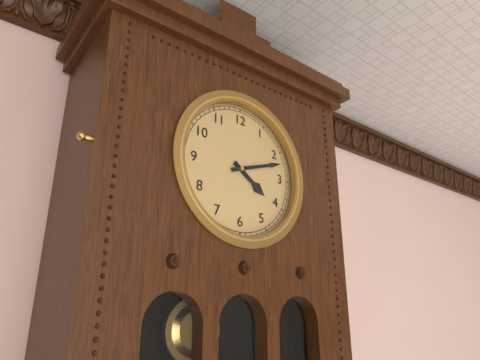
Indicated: 4 h 12 min
